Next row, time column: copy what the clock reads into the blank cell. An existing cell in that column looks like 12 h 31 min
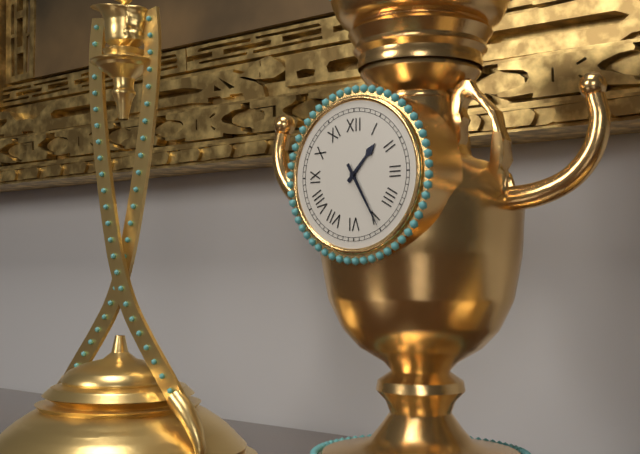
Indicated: 1 h 25 min
